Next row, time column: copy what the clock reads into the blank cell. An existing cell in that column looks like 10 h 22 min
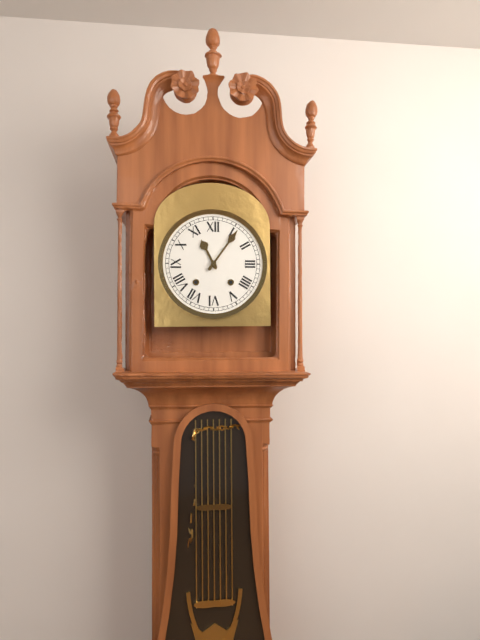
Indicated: 11 h 06 min
